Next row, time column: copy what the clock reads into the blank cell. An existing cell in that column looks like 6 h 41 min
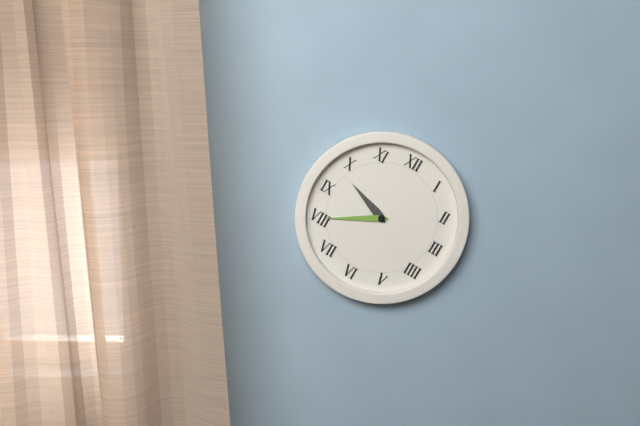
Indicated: 9 h 40 min
